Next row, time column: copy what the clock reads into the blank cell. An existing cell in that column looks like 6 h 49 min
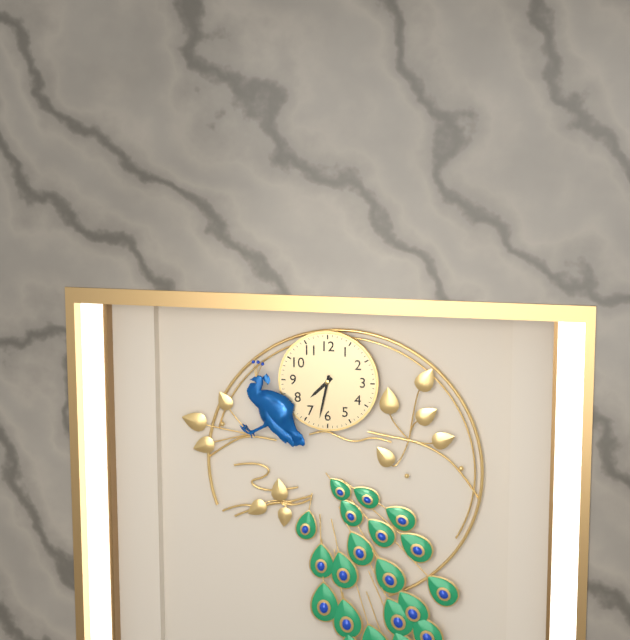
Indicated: 7 h 32 min
